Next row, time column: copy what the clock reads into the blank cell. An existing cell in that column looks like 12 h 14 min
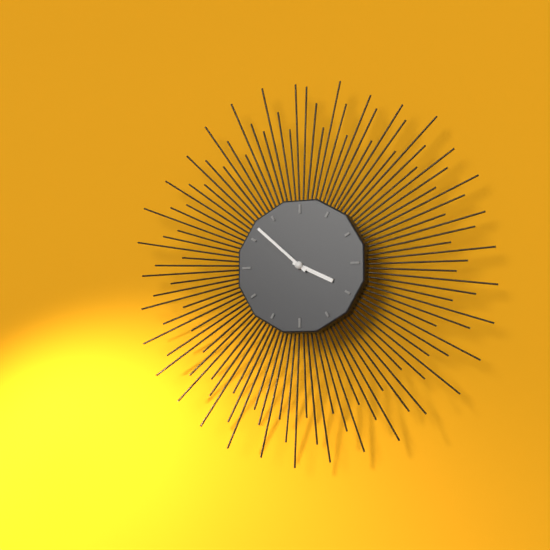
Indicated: 3 h 52 min
